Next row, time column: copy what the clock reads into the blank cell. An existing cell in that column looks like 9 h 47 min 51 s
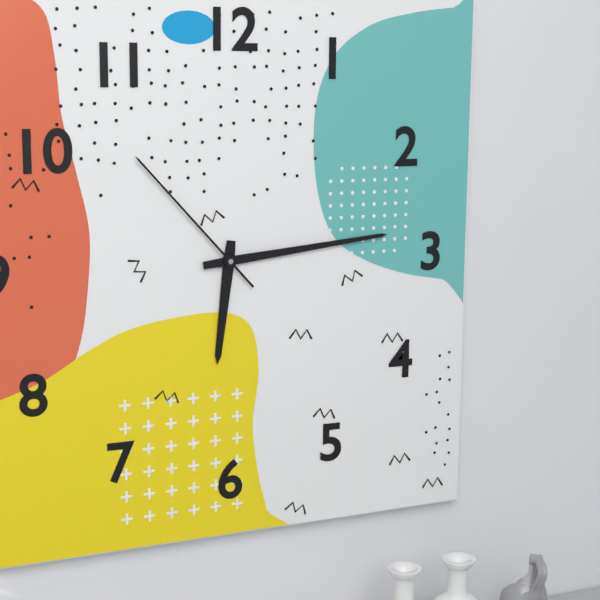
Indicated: 6 h 14 min 53 s
